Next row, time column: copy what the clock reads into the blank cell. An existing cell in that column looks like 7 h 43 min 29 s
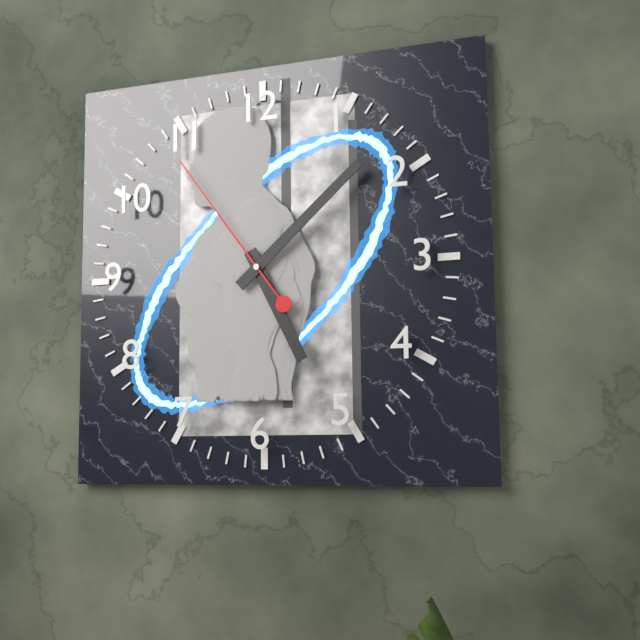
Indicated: 5 h 08 min 54 s
